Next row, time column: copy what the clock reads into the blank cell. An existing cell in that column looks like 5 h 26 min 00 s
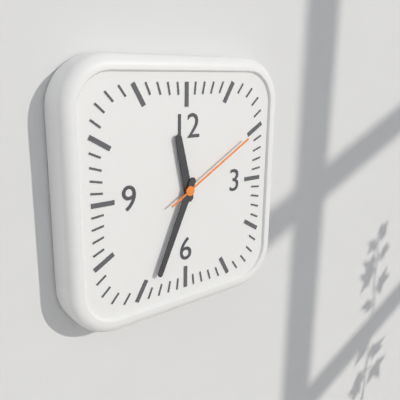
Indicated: 11 h 34 min 10 s
